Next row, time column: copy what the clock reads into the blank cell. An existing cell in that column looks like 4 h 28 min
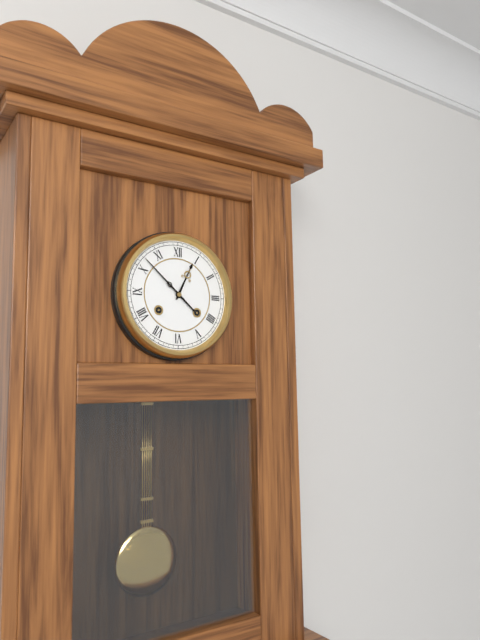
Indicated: 12 h 52 min
